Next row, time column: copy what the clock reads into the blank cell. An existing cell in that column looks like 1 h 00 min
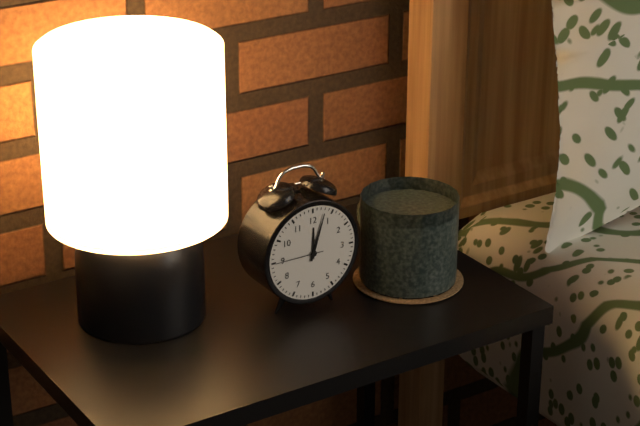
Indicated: 12 h 03 min
